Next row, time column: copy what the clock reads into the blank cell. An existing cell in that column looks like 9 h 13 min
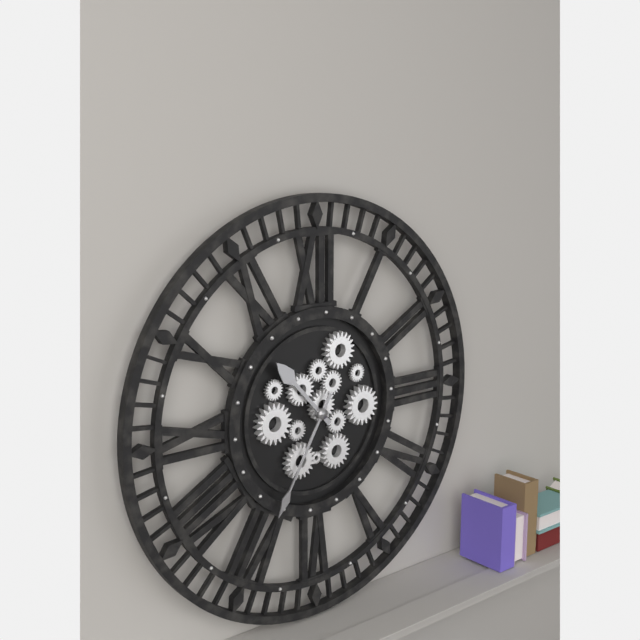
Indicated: 10 h 35 min
